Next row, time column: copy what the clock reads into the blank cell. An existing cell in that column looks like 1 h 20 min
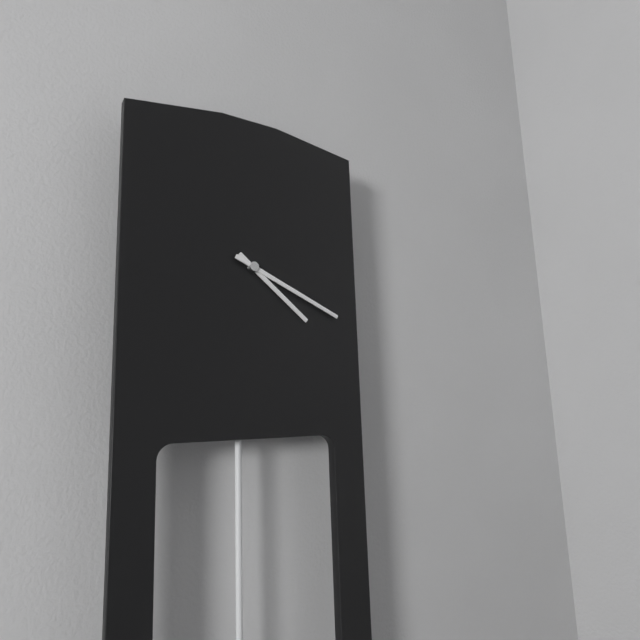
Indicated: 4 h 19 min
